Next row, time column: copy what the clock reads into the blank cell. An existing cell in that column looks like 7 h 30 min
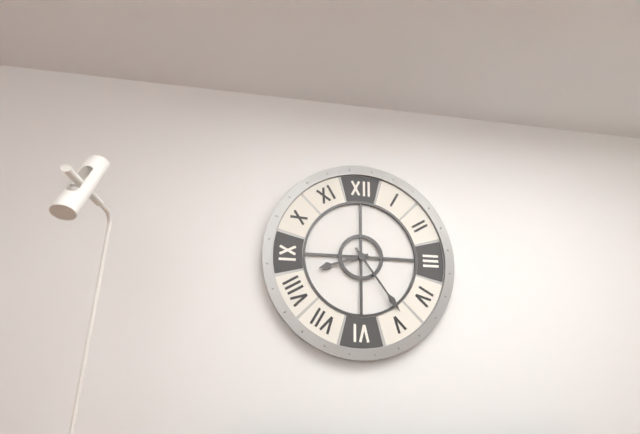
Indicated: 8 h 24 min
